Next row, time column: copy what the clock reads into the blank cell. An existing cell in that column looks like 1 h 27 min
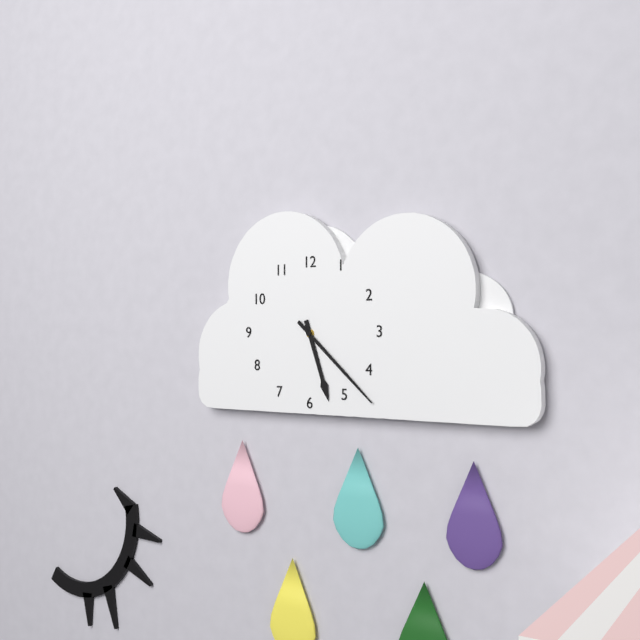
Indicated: 5 h 22 min
